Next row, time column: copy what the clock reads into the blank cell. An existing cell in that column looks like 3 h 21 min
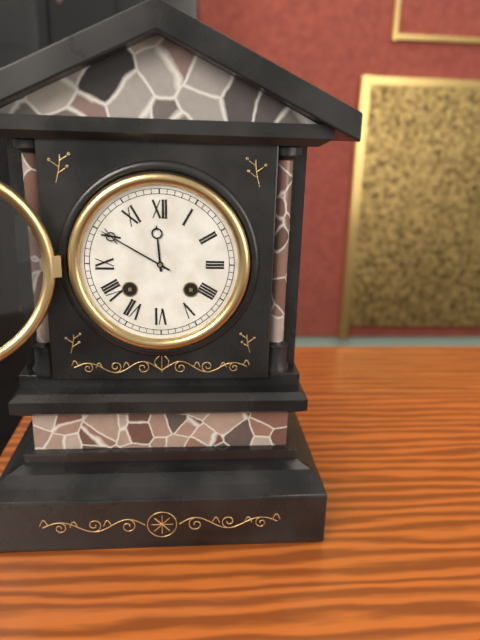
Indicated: 11 h 50 min
